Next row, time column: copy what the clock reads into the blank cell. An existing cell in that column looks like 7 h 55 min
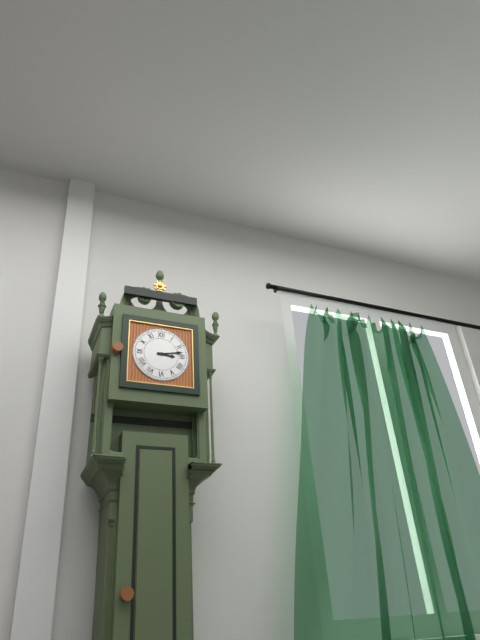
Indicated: 3 h 13 min
